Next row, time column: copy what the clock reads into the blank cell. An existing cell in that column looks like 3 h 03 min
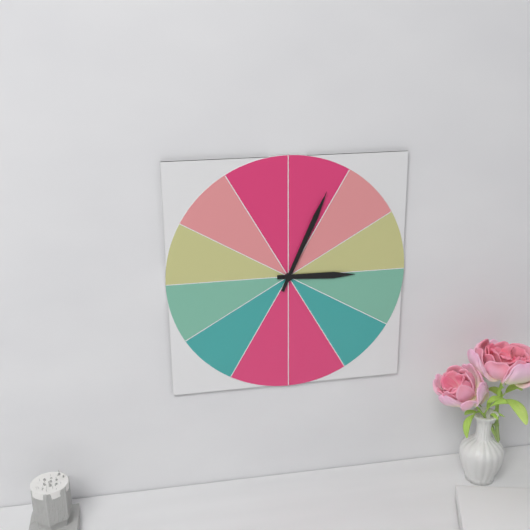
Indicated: 3 h 04 min
